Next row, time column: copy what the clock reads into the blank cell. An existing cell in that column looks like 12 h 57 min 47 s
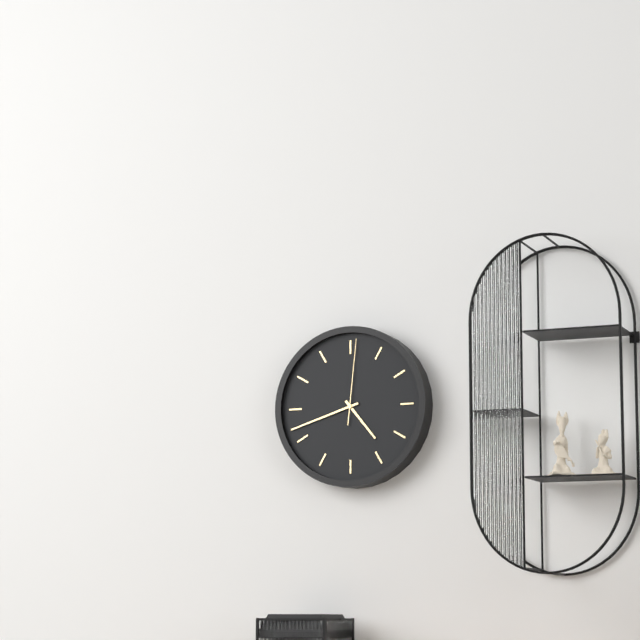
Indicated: 4 h 42 min 01 s
